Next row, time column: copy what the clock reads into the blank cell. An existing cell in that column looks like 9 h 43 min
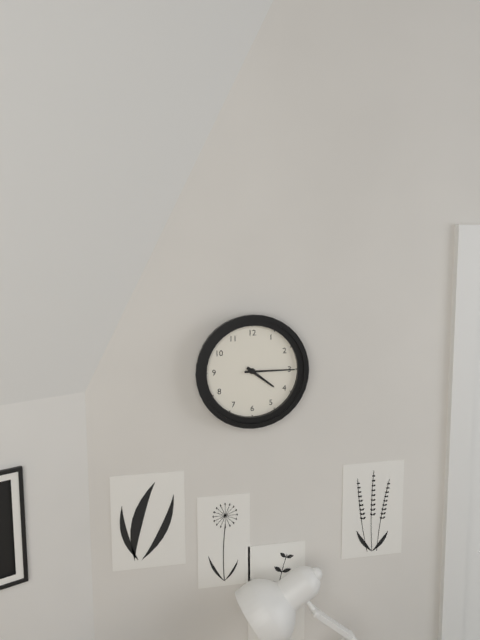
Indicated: 4 h 15 min
